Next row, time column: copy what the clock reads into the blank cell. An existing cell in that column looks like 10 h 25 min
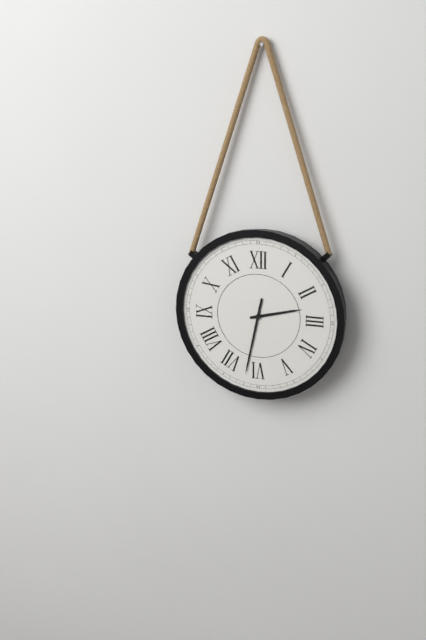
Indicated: 2 h 32 min
